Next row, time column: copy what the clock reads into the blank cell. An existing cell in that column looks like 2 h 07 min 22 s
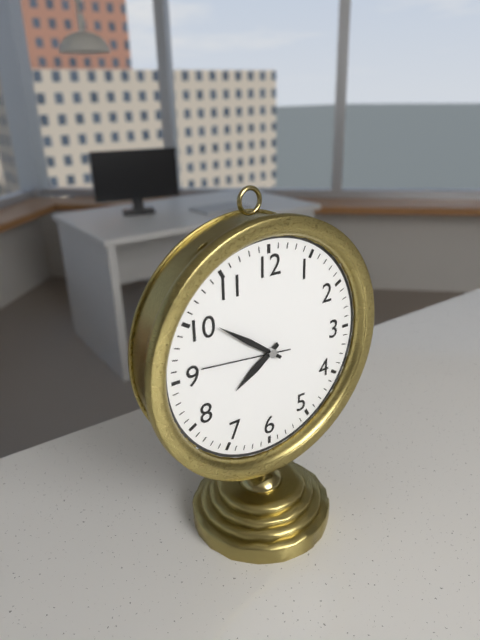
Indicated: 7 h 51 min 46 s
